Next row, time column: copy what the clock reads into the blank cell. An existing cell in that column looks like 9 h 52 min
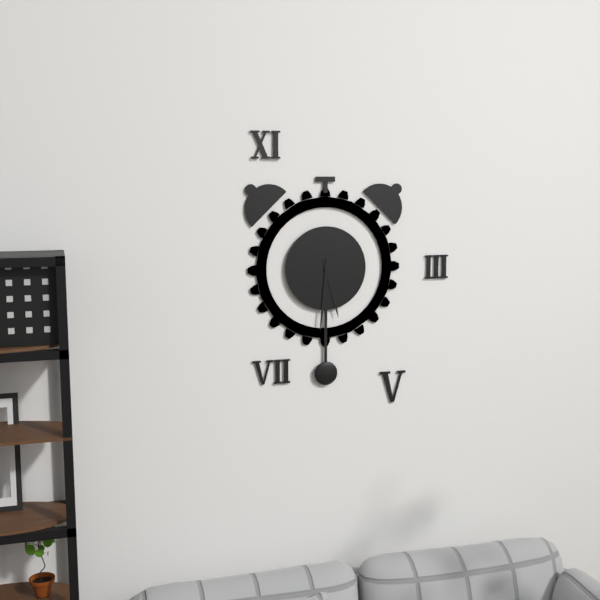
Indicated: 5 h 31 min
